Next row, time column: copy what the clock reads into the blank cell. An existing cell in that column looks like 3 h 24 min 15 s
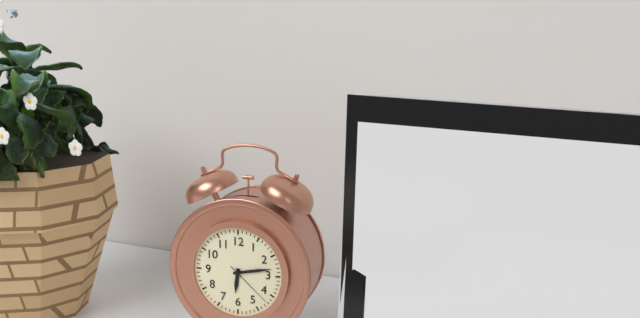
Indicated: 6 h 13 min 22 s
